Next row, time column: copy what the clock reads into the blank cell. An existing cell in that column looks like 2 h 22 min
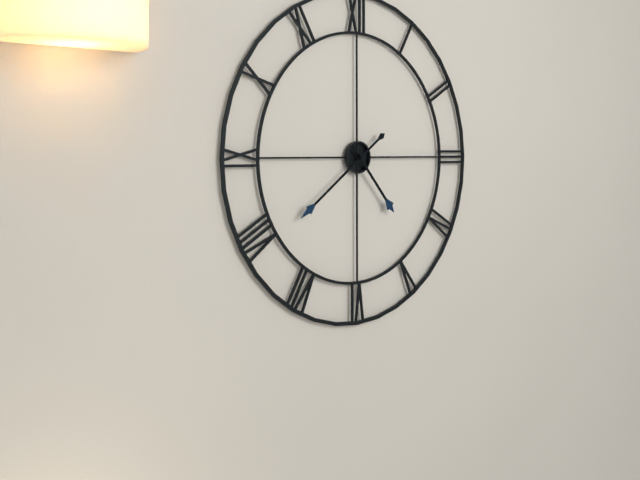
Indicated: 4 h 39 min
